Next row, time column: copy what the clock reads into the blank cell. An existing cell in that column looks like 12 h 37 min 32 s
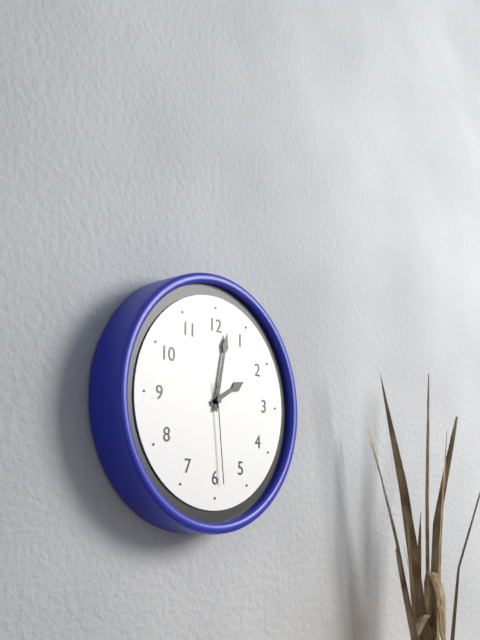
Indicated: 2 h 02 min 29 s
